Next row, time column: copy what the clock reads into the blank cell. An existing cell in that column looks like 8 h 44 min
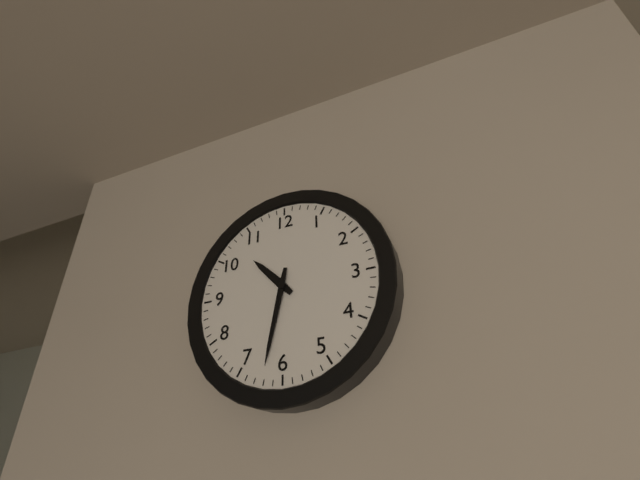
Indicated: 10 h 32 min
